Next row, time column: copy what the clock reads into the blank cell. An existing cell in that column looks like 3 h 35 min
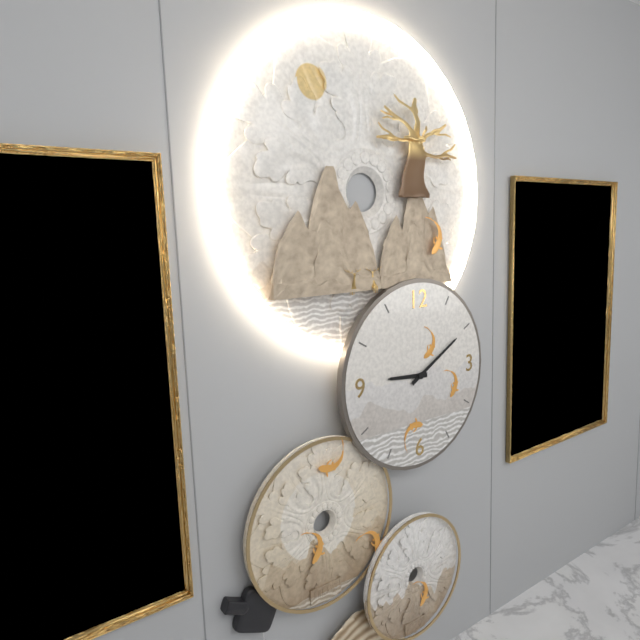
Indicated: 9 h 10 min
